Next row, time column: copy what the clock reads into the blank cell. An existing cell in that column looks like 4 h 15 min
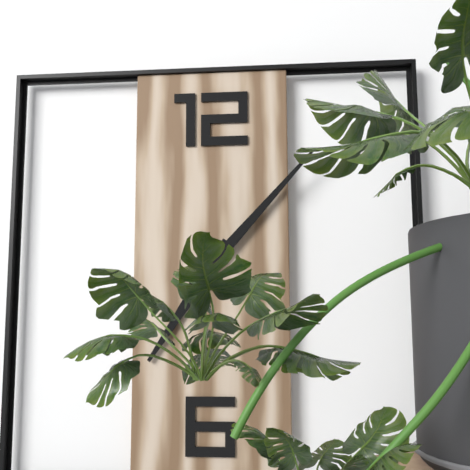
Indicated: 7 h 07 min
